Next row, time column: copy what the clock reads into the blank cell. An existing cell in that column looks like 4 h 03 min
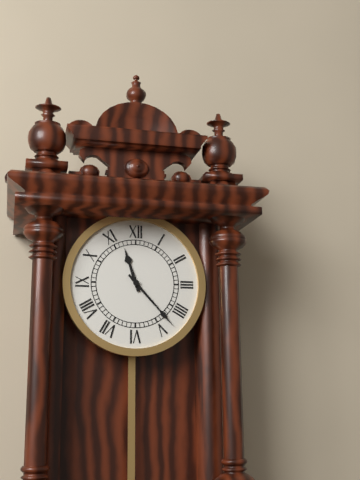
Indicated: 11 h 23 min
